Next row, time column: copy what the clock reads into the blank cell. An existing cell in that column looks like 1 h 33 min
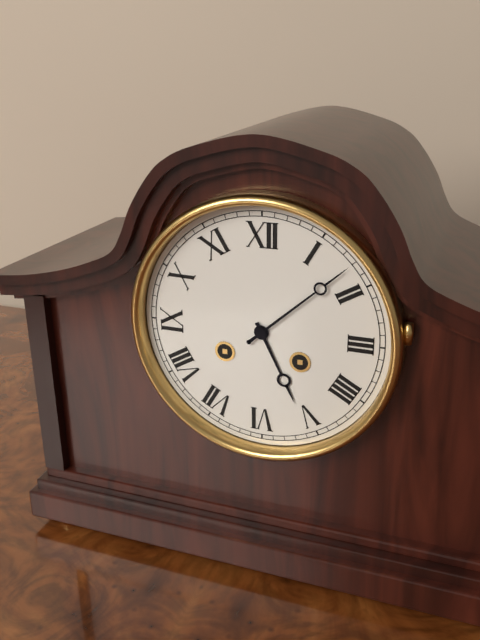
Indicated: 5 h 08 min
